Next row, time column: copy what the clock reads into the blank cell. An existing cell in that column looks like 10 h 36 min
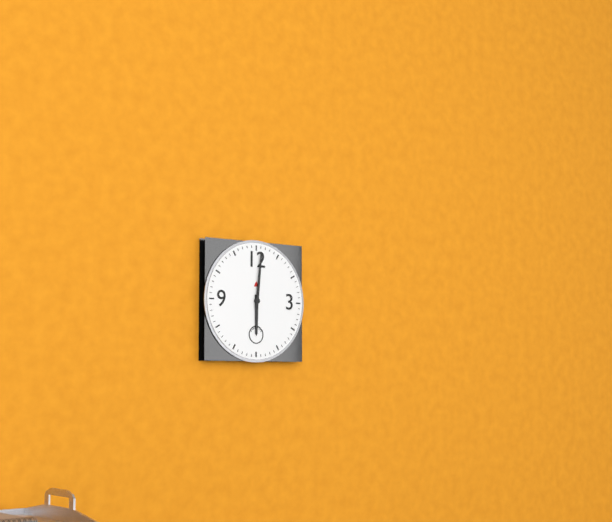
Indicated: 6 h 01 min
